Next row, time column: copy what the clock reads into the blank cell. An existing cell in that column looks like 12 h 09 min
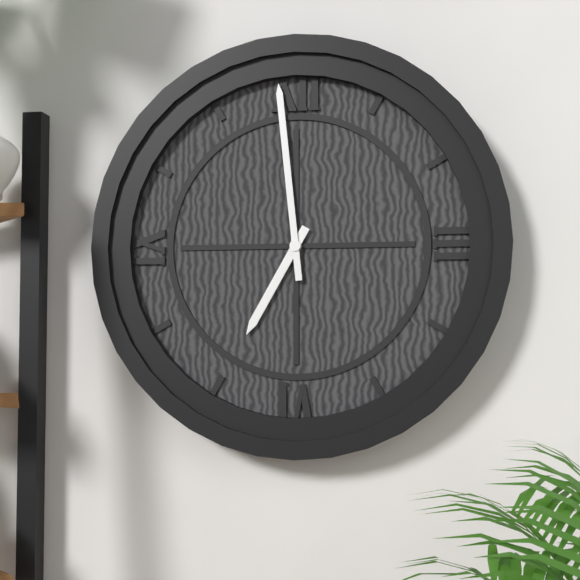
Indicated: 6 h 59 min
